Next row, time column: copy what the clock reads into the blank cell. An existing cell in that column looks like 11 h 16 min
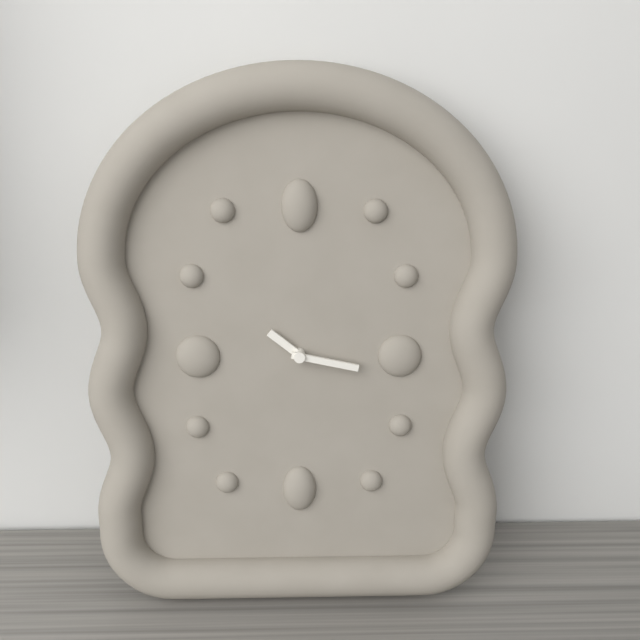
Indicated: 10 h 17 min
